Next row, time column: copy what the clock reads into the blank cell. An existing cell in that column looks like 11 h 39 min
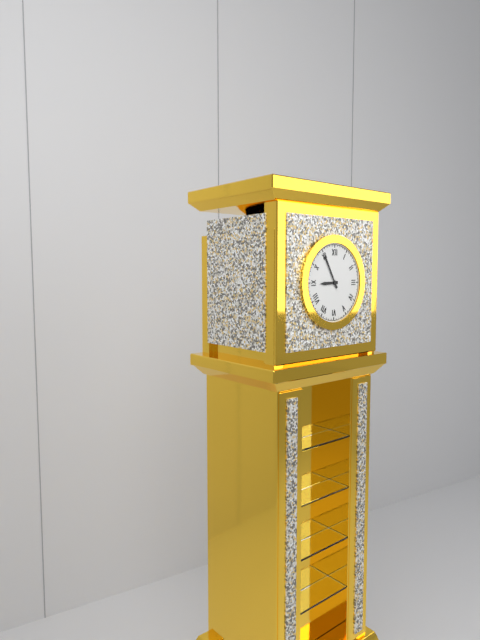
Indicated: 8 h 55 min
